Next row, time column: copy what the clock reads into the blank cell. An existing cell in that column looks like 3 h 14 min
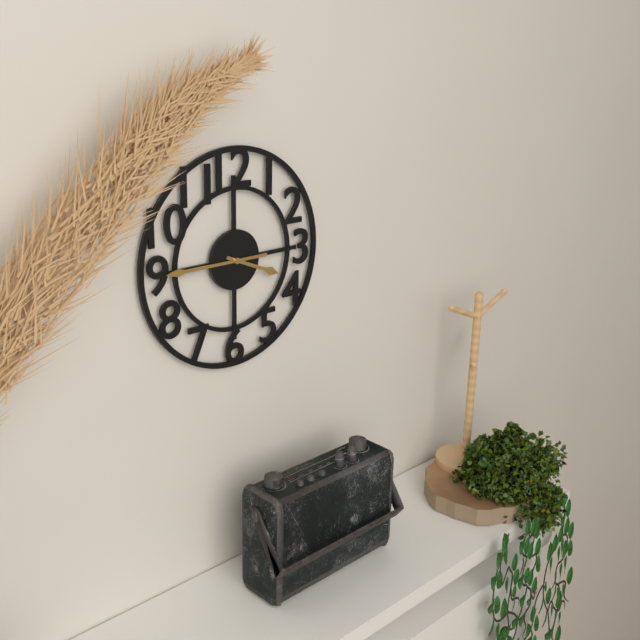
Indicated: 3 h 45 min
